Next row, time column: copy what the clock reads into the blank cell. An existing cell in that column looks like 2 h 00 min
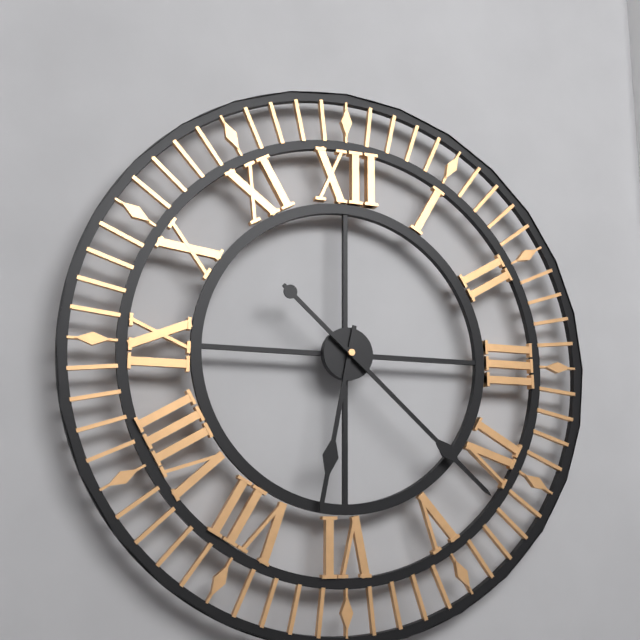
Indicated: 6 h 22 min
